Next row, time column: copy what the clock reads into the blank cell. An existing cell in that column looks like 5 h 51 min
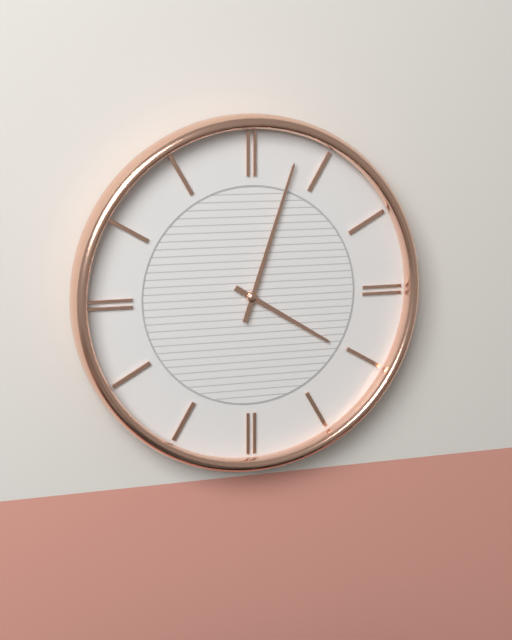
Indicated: 4 h 03 min
